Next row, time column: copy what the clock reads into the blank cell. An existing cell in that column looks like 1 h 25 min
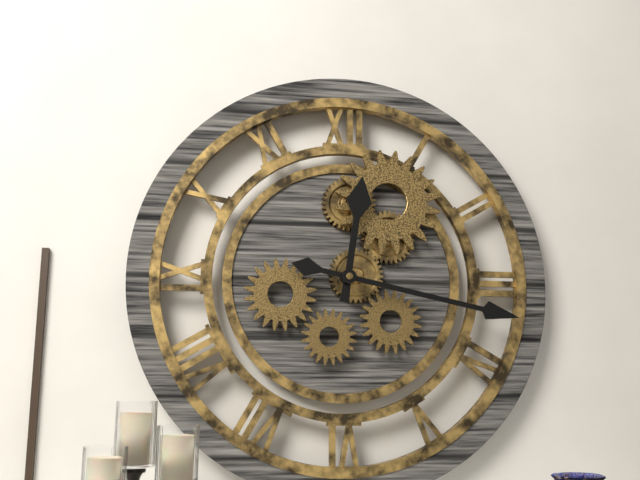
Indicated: 12 h 17 min
